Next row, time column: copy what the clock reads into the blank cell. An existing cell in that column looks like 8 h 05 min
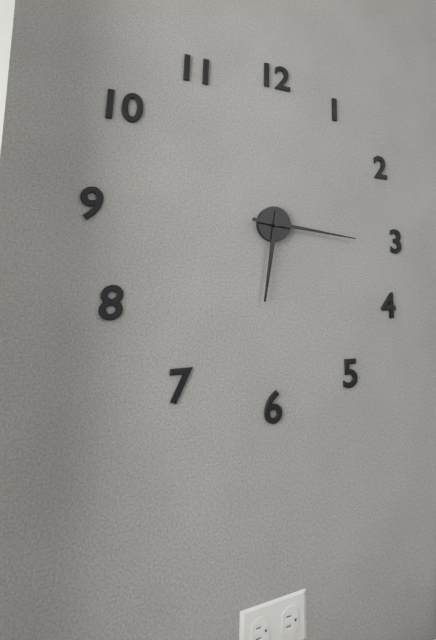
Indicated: 6 h 16 min
